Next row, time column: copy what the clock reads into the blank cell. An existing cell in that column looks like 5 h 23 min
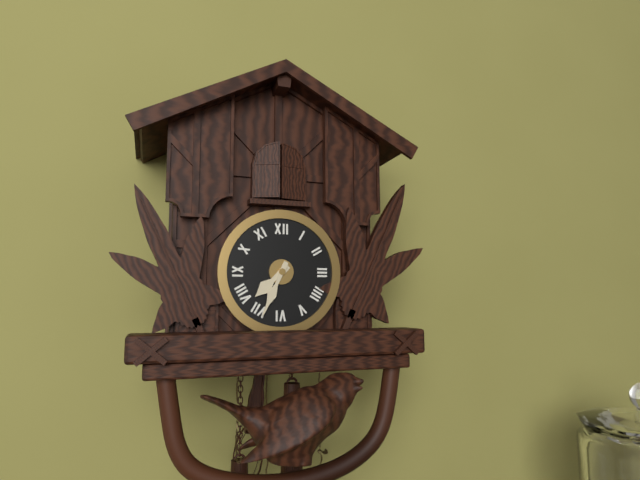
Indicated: 7 h 34 min
